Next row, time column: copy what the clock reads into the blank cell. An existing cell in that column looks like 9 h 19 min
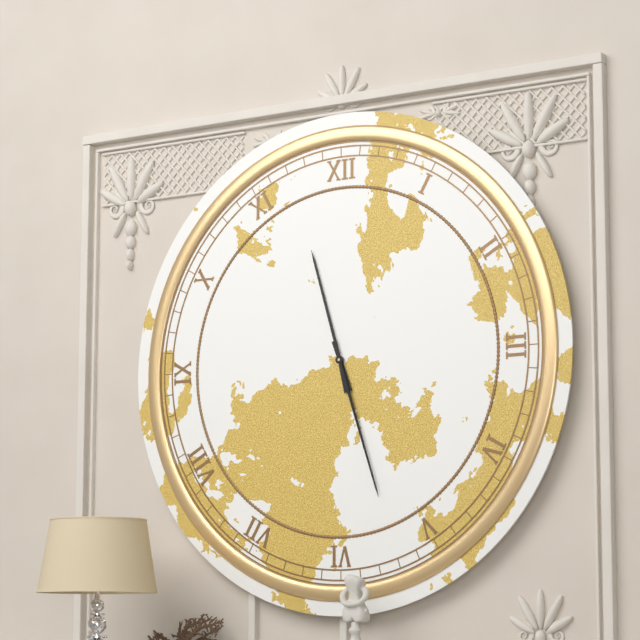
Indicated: 11 h 27 min
